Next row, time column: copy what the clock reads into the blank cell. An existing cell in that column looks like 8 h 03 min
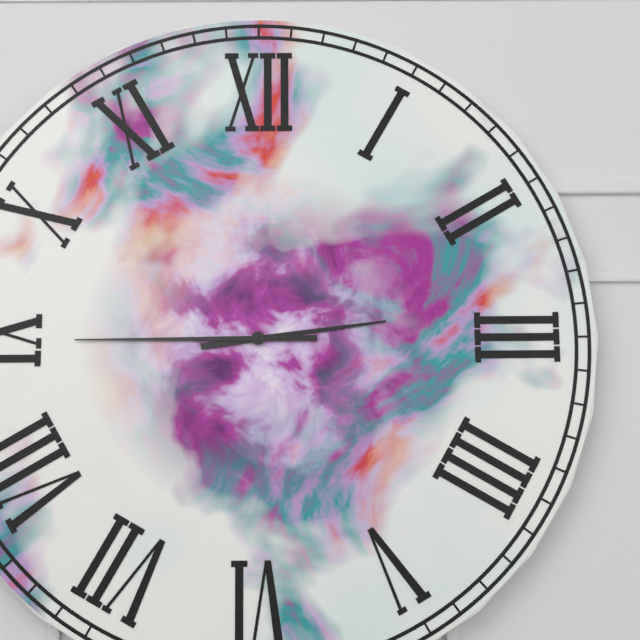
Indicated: 2 h 45 min
